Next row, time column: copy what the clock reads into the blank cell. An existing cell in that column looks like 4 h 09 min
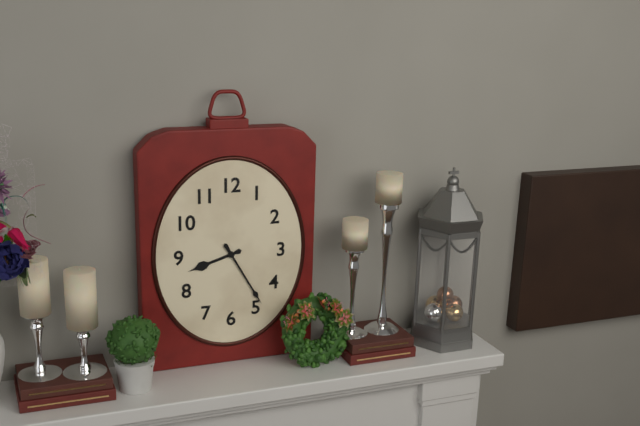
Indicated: 8 h 25 min
